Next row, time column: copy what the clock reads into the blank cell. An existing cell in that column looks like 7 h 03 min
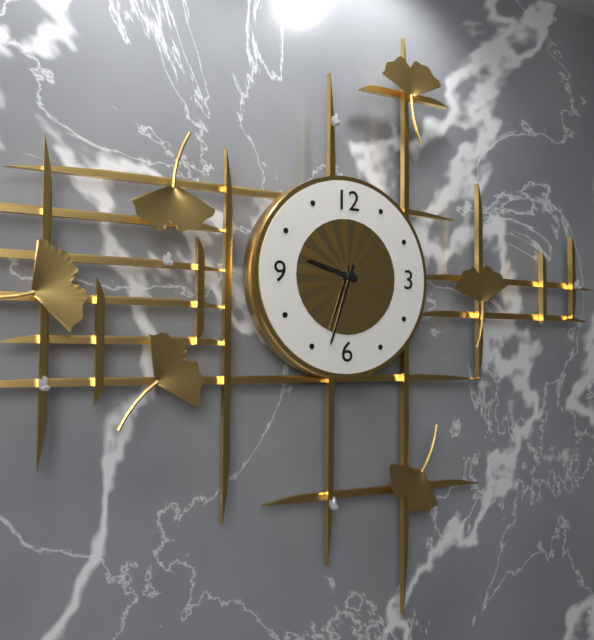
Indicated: 9 h 33 min
